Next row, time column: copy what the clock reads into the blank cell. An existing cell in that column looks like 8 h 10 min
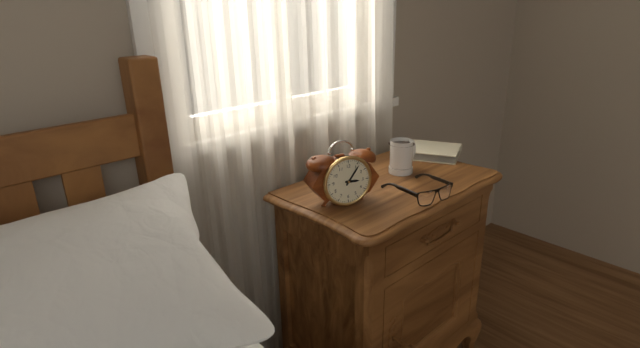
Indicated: 3 h 06 min
